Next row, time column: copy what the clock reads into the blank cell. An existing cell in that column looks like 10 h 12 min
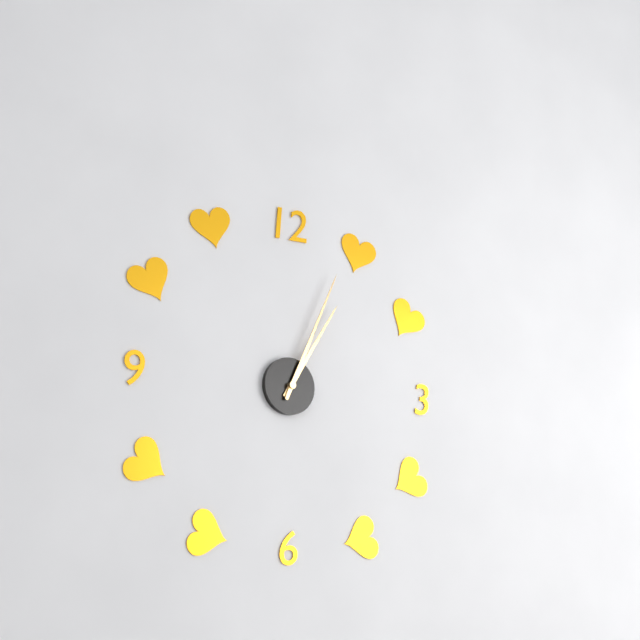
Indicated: 1 h 04 min
